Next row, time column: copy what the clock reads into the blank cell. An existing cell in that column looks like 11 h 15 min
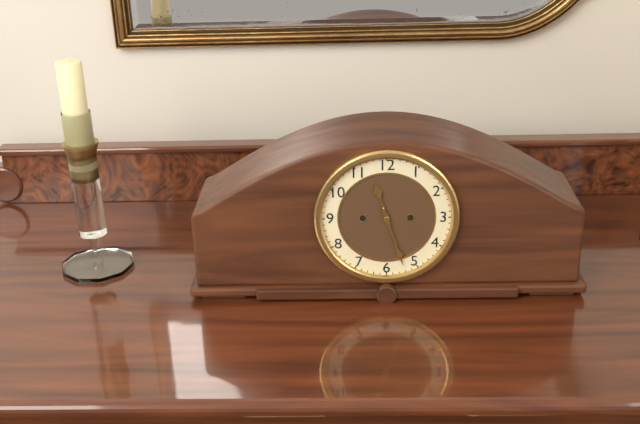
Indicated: 11 h 27 min
